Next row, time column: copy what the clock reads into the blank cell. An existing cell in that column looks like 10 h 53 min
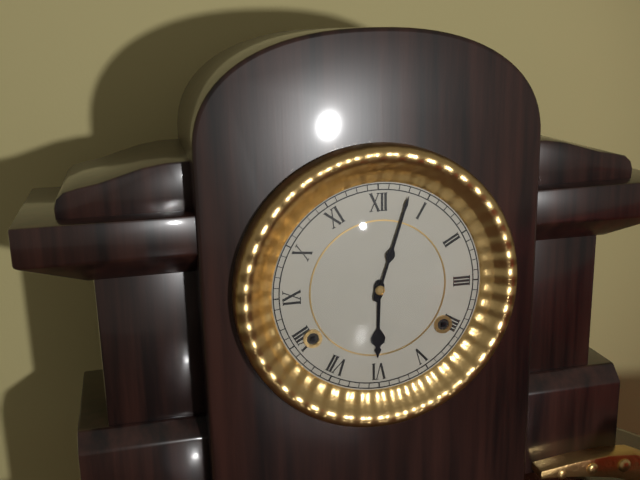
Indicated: 6 h 03 min
